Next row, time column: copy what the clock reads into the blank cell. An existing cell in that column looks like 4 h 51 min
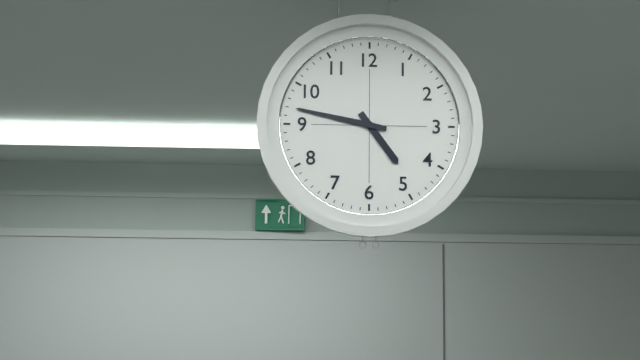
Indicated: 4 h 47 min
